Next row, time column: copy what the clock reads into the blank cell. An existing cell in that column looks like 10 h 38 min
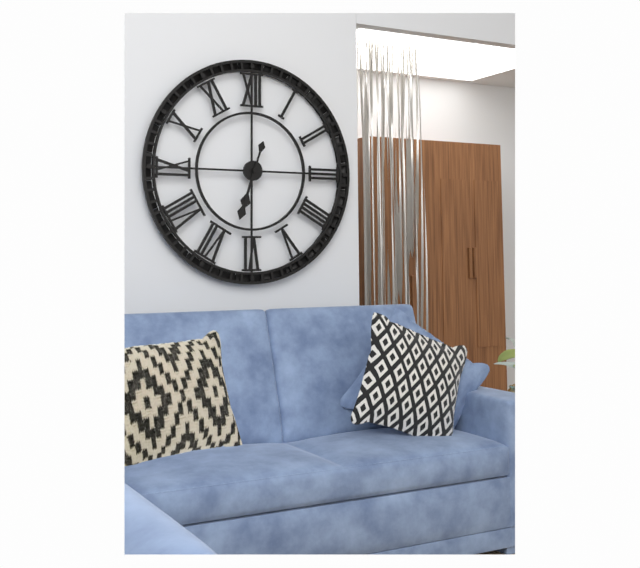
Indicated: 6 h 33 min
